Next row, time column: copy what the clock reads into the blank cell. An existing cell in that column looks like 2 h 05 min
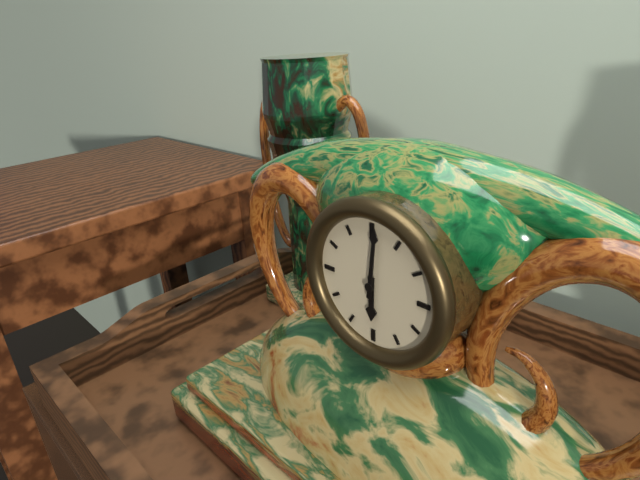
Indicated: 6 h 01 min
